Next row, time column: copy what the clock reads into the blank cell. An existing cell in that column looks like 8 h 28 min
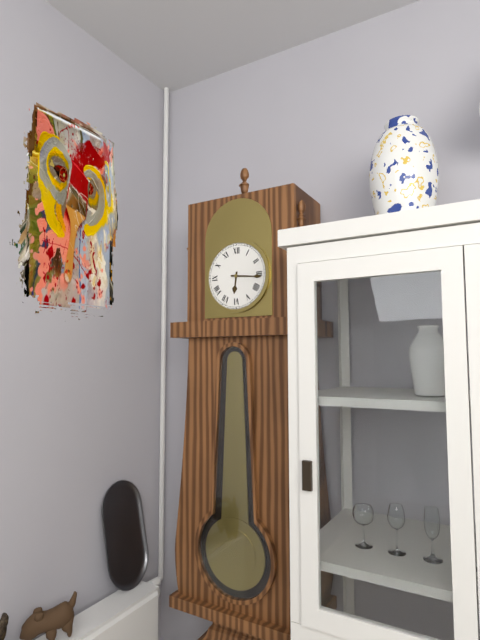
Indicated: 6 h 16 min
